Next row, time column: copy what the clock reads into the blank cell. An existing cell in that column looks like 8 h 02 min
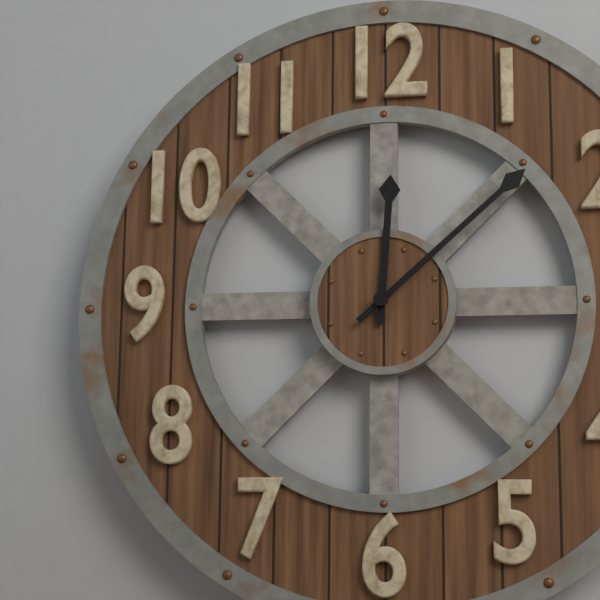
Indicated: 12 h 08 min
